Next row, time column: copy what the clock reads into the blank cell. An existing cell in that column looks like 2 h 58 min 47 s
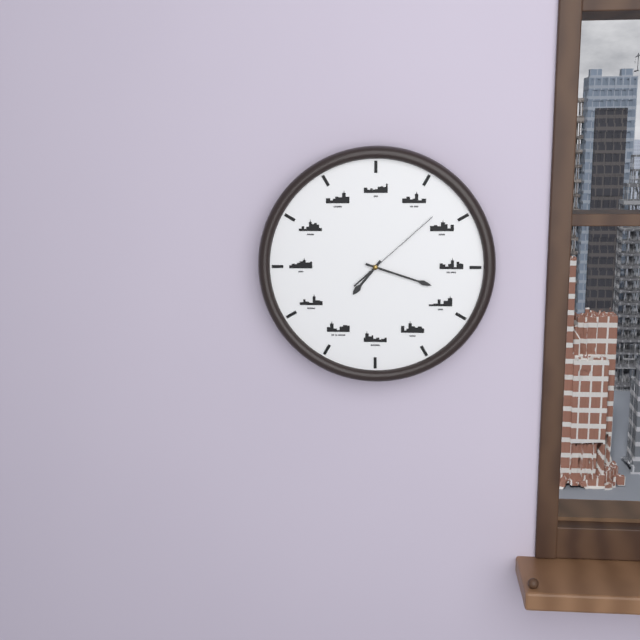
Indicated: 7 h 18 min 08 s
